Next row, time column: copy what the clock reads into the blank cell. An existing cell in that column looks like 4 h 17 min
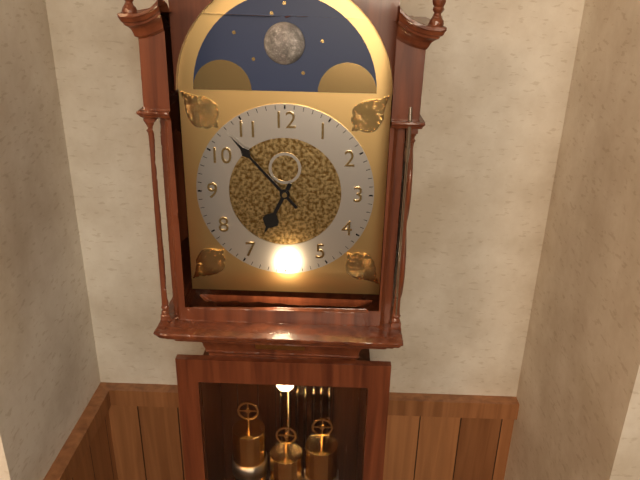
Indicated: 6 h 53 min
